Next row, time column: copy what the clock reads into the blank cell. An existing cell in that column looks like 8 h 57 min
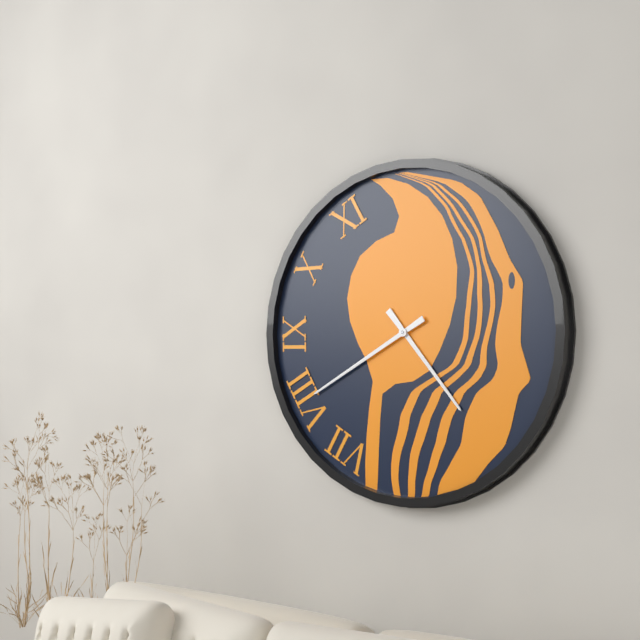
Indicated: 4 h 40 min
